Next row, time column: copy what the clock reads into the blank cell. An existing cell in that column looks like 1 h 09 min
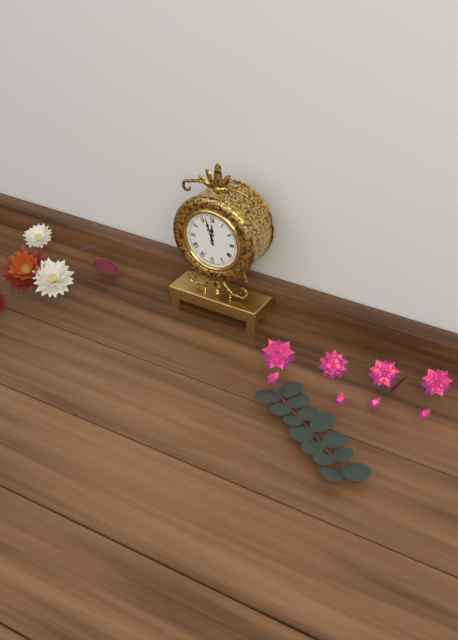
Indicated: 11 h 57 min
